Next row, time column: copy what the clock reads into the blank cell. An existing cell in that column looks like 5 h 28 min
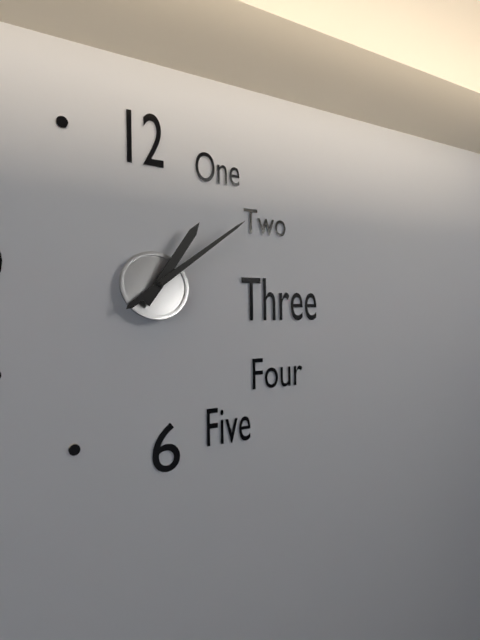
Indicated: 1 h 09 min
